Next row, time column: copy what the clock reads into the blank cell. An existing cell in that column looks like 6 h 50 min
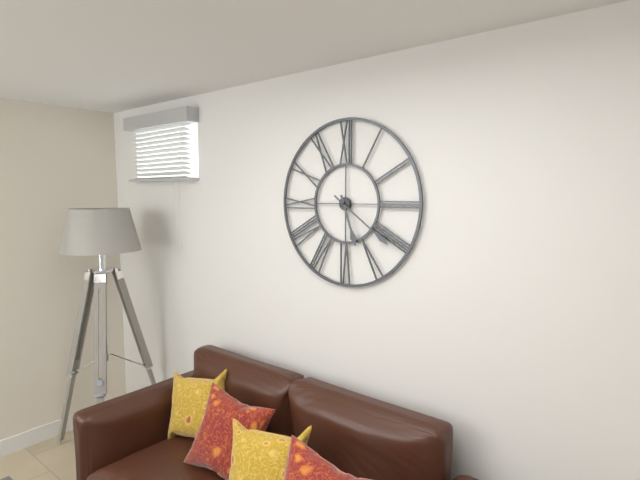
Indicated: 5 h 21 min
